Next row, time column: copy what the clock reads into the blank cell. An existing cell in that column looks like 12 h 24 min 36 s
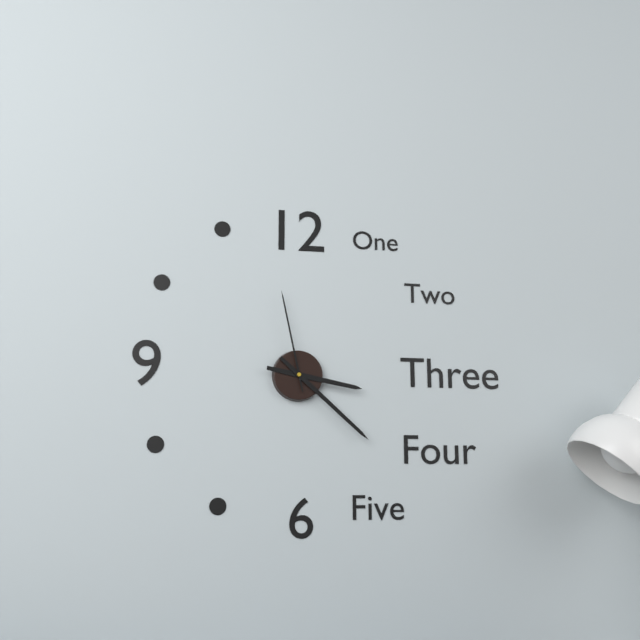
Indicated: 3 h 22 min 58 s
